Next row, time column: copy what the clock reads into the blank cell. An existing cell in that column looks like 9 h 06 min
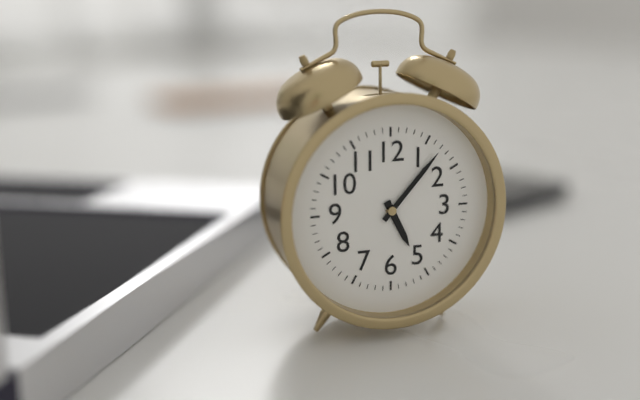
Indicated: 5 h 07 min
